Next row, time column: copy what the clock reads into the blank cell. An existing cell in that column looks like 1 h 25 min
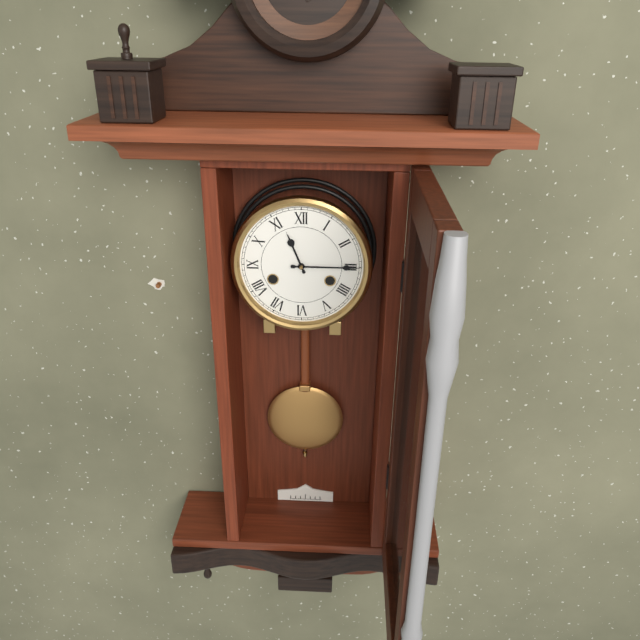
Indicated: 11 h 15 min
